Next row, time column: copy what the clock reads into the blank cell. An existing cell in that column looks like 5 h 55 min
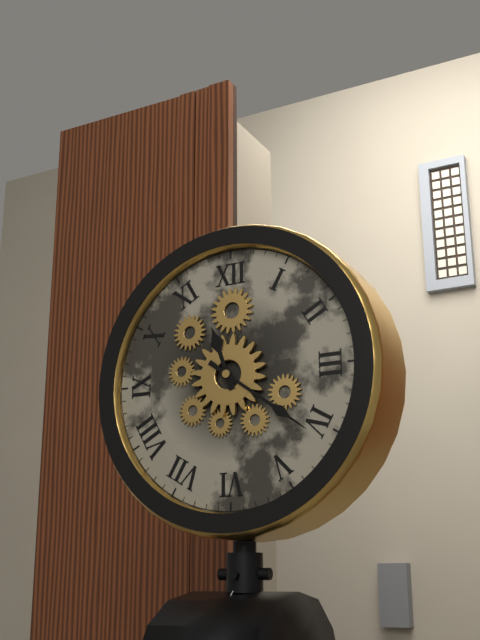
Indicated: 11 h 21 min
